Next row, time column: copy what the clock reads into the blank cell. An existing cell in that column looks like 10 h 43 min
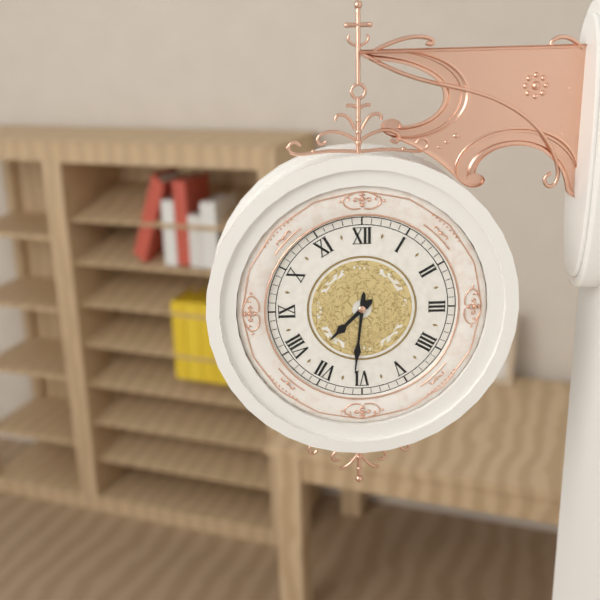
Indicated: 7 h 31 min
